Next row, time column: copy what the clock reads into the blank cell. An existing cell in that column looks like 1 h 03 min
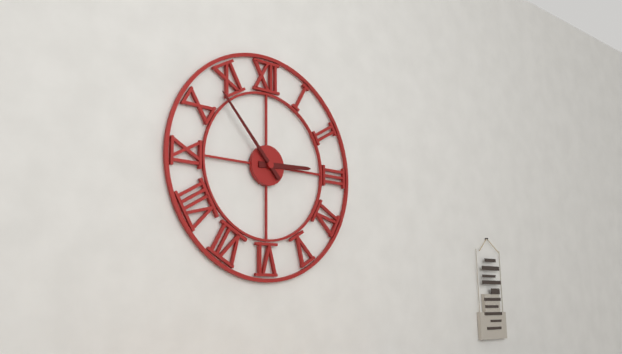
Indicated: 2 h 53 min
